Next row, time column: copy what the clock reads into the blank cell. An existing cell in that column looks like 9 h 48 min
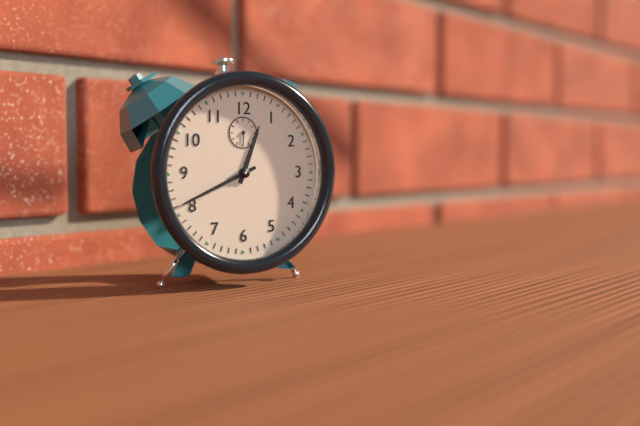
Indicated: 12 h 41 min
